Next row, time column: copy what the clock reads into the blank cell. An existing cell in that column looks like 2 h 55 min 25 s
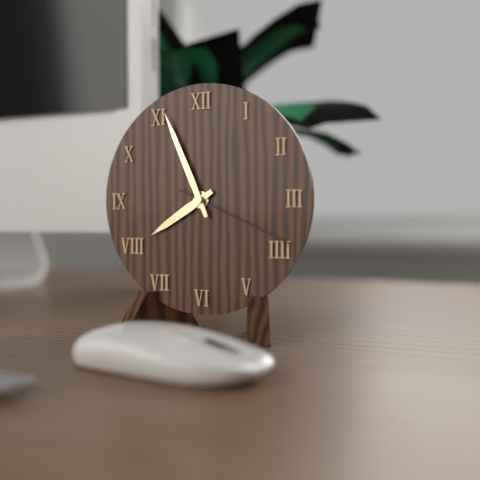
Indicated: 7 h 56 min 19 s
